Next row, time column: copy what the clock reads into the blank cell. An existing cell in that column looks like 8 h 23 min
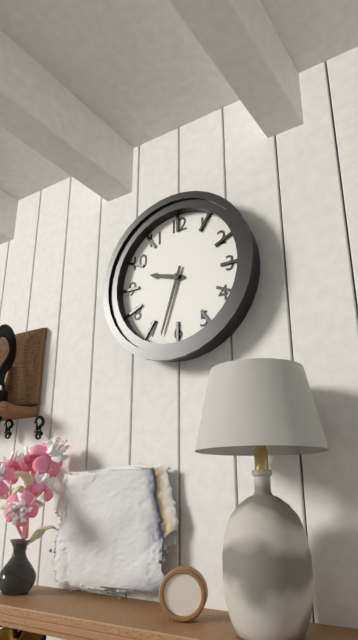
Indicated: 9 h 33 min
